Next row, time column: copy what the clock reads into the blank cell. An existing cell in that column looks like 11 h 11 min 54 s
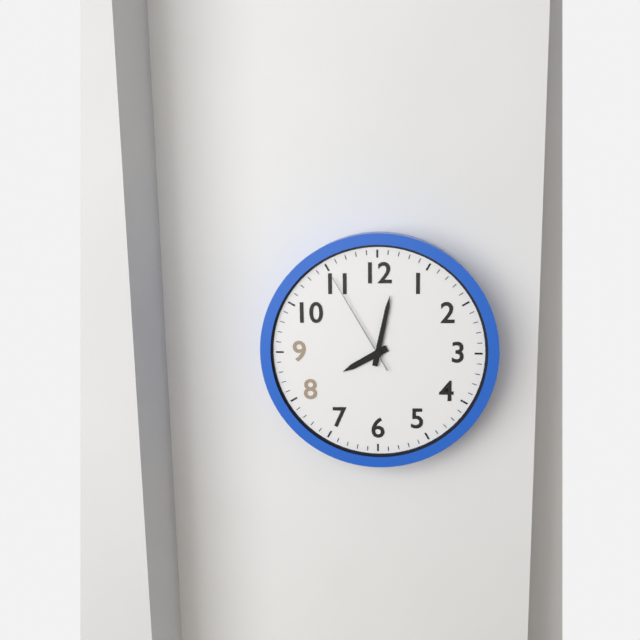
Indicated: 8 h 02 min 55 s
